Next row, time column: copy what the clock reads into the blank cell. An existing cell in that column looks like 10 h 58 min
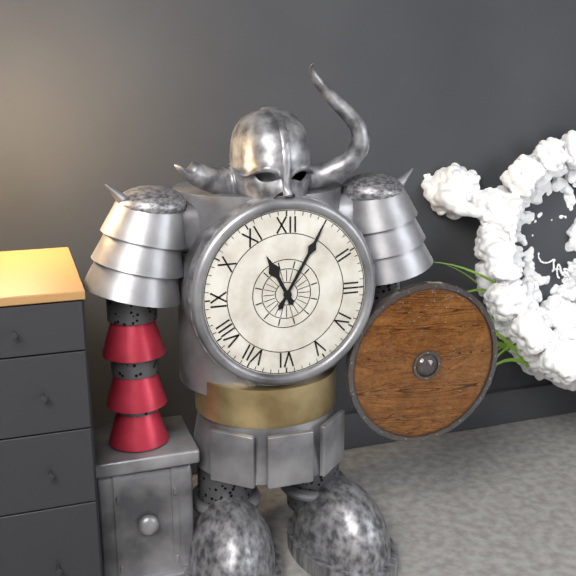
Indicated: 11 h 05 min
